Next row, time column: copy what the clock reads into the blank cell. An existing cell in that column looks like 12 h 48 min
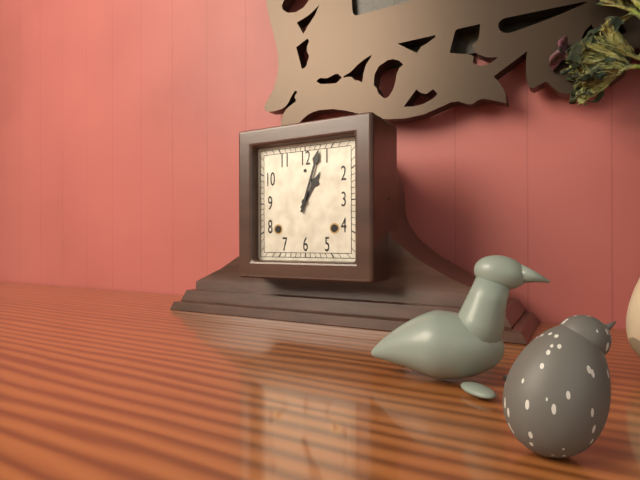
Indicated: 1 h 03 min
